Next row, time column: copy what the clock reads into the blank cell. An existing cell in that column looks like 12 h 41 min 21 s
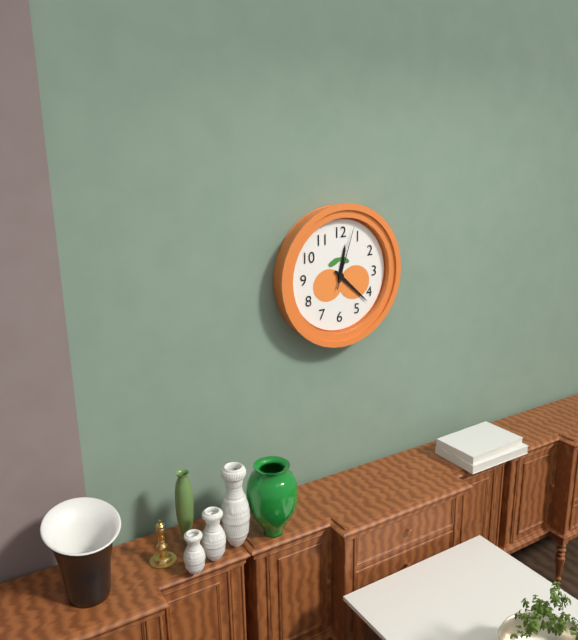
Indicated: 12 h 22 min 03 s
